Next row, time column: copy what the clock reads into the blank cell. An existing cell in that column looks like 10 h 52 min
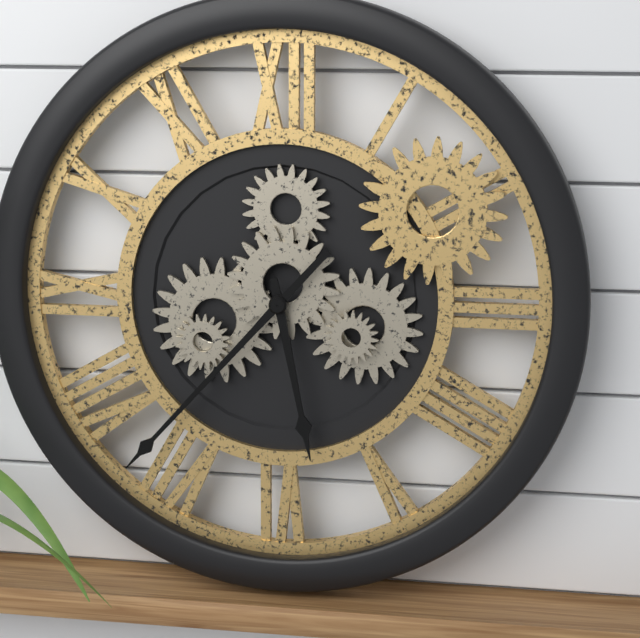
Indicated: 5 h 37 min
